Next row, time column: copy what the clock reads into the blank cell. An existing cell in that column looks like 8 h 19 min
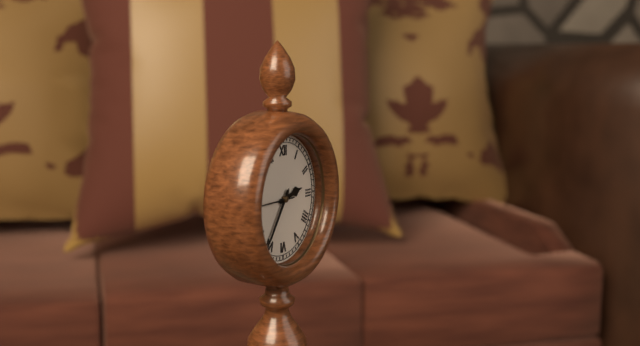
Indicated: 2 h 36 min
